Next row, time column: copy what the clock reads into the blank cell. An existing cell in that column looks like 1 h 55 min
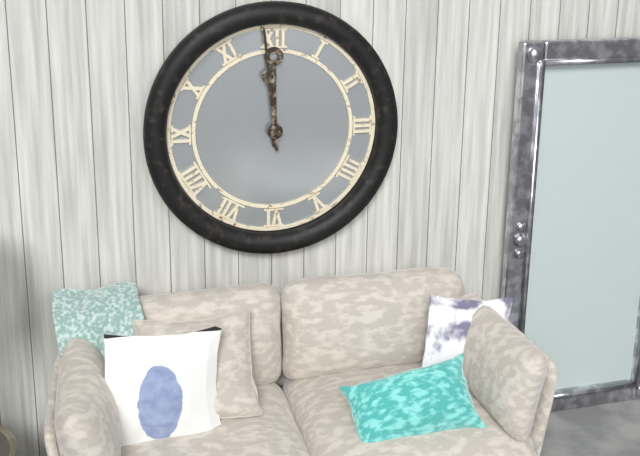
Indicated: 11 h 59 min
